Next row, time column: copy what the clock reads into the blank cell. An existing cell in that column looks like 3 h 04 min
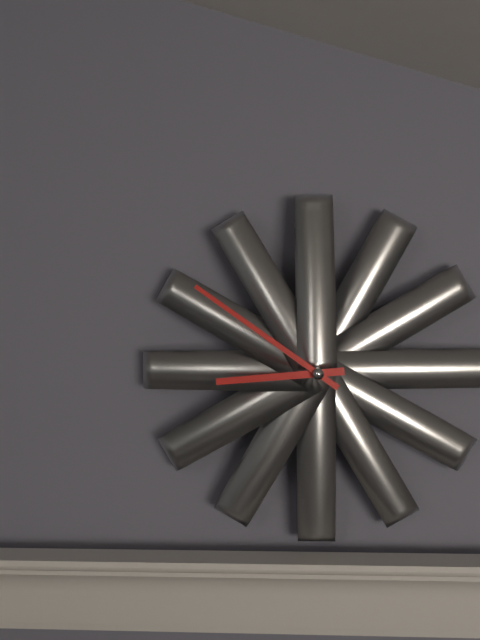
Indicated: 8 h 51 min
